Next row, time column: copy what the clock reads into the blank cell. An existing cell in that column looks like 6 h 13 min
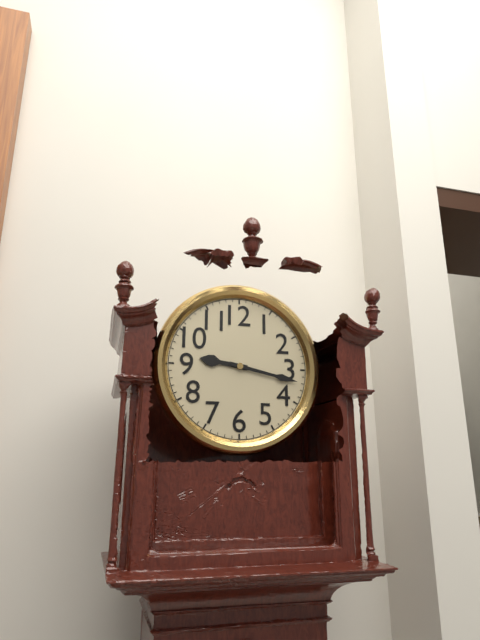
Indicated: 9 h 17 min
